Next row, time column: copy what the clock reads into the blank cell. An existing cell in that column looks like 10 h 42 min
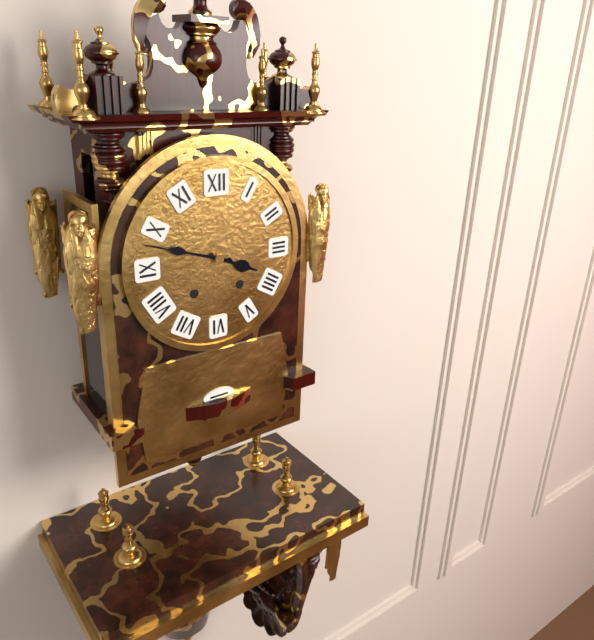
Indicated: 3 h 48 min
